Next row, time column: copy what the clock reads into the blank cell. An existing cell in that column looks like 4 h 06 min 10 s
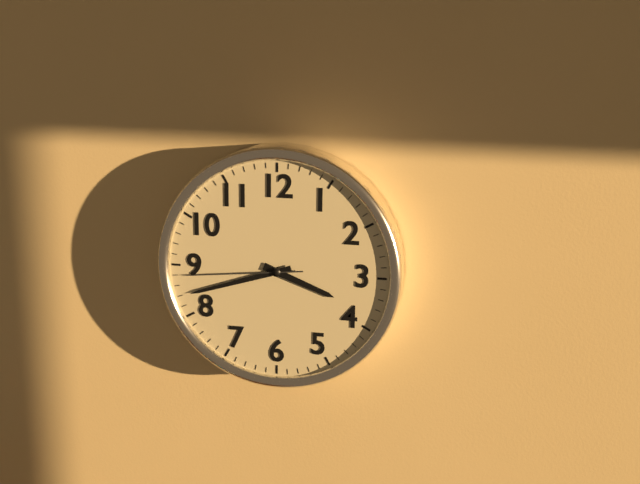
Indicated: 3 h 42 min 44 s
